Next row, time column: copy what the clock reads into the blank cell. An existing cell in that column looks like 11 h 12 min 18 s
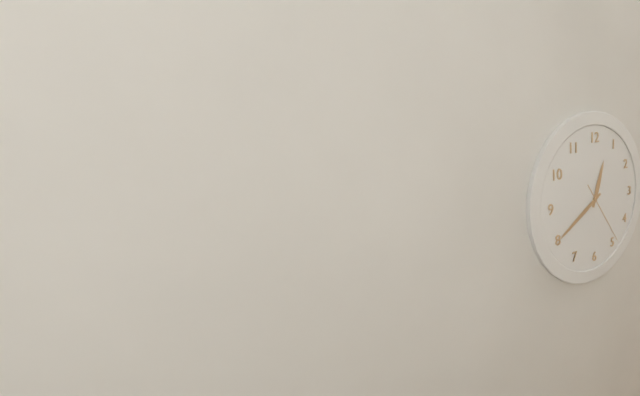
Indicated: 12 h 40 min 24 s
